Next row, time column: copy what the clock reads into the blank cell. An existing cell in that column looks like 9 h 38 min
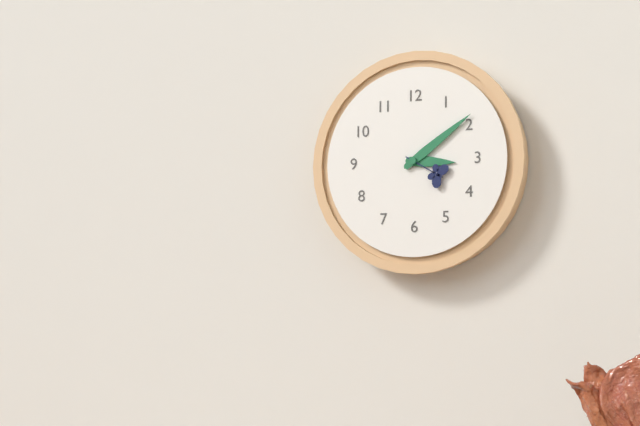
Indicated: 3 h 09 min
